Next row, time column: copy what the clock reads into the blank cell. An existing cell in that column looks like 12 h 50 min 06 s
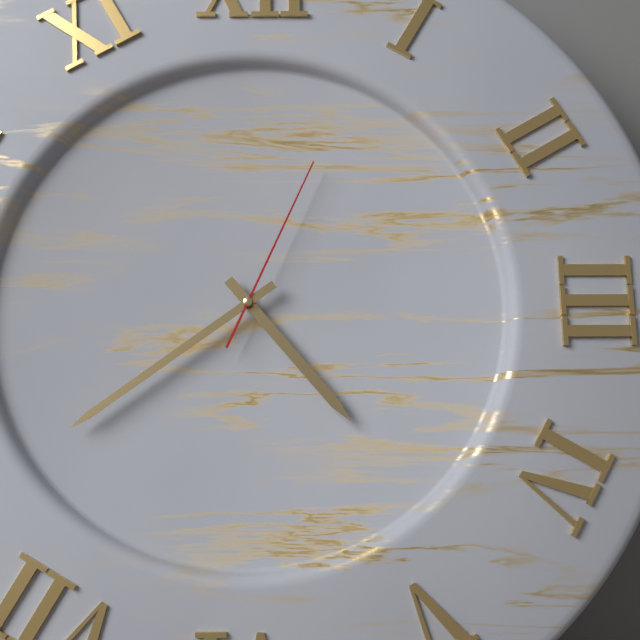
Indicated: 4 h 39 min 04 s
